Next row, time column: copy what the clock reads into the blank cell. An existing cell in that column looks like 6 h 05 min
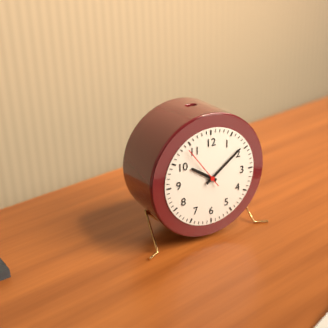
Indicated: 10 h 09 min
